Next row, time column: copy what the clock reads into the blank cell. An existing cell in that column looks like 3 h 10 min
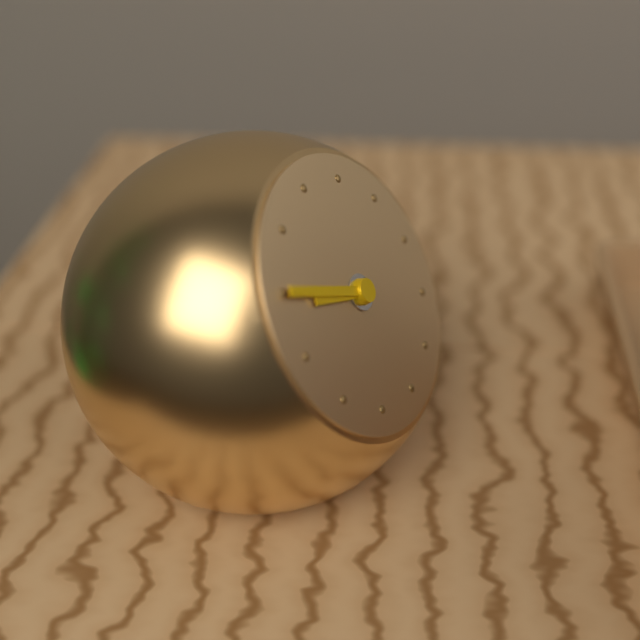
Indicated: 9 h 50 min
